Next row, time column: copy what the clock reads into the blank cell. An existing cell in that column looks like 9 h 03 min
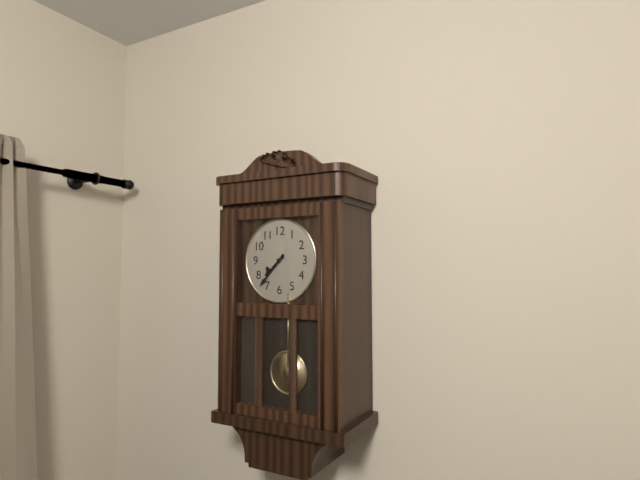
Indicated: 7 h 37 min
